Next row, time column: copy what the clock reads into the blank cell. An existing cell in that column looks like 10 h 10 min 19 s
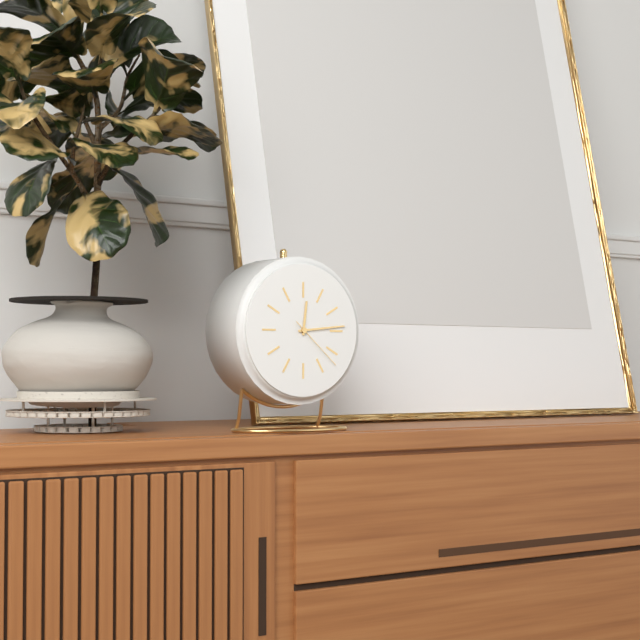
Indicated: 12 h 14 min 22 s
